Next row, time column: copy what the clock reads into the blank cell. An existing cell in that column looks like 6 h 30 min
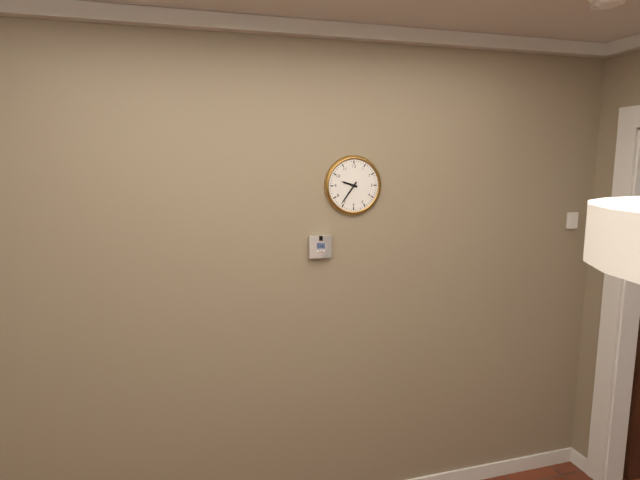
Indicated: 9 h 36 min
